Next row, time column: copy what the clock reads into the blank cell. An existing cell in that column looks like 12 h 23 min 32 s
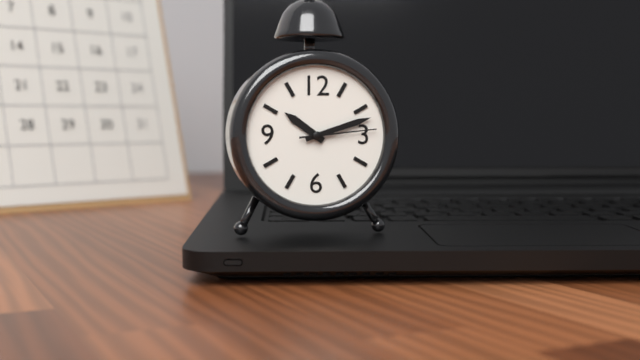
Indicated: 10 h 12 min 14 s
